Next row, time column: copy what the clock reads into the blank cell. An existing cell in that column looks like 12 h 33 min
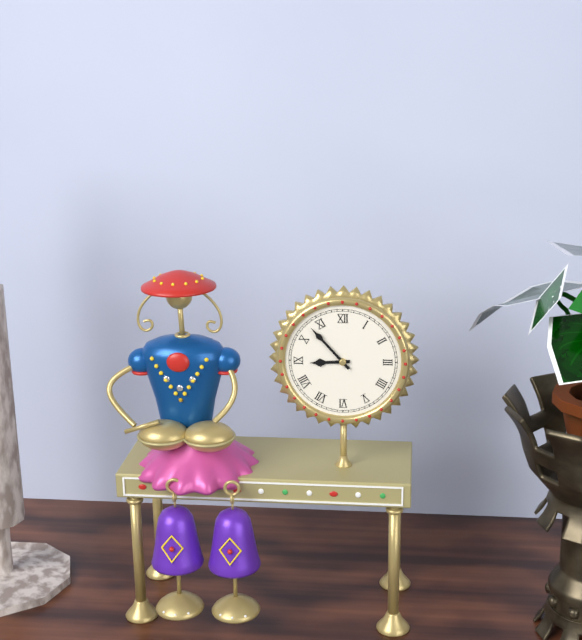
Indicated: 8 h 53 min
